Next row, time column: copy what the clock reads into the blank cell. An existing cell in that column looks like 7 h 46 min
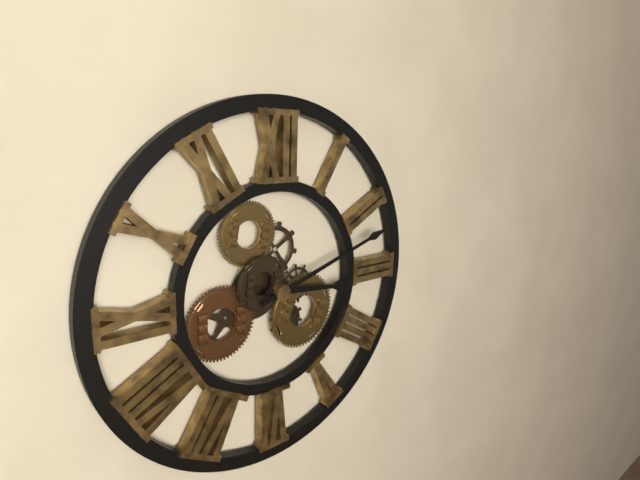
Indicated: 3 h 12 min
